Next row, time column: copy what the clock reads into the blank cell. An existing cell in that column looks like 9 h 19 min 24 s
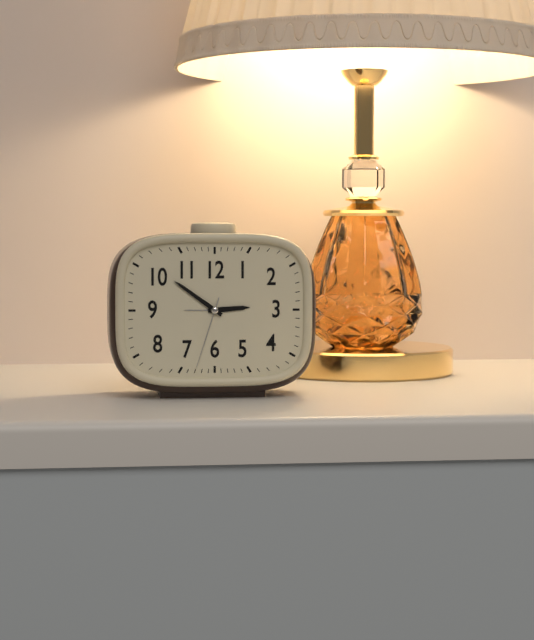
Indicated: 2 h 51 min 33 s
